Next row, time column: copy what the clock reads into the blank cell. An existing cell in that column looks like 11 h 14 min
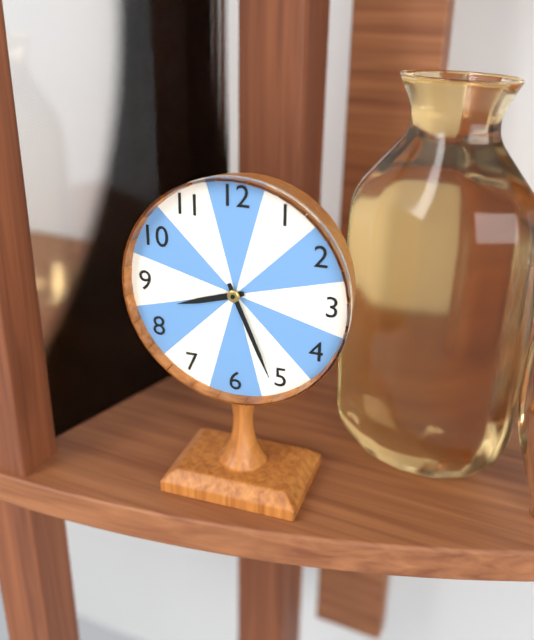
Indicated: 8 h 26 min
